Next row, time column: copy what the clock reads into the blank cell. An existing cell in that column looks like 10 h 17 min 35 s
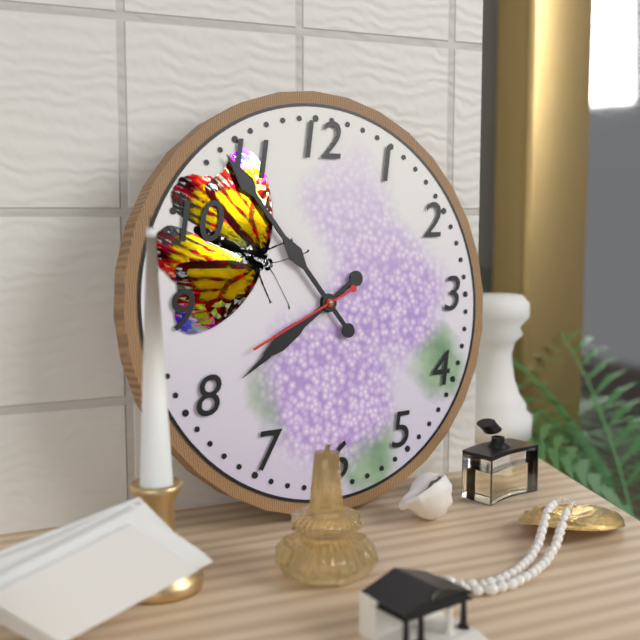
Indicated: 7 h 54 min 41 s
